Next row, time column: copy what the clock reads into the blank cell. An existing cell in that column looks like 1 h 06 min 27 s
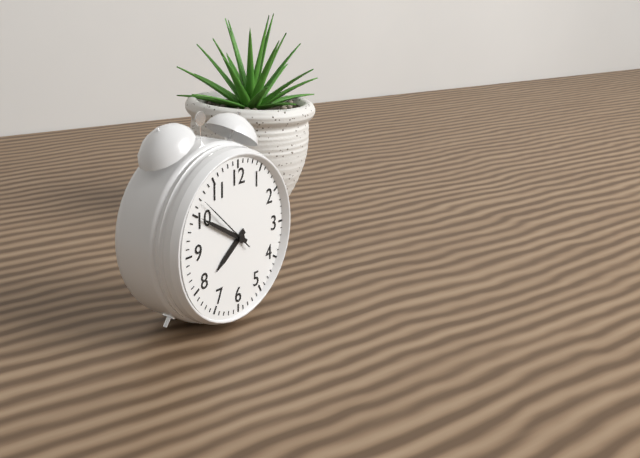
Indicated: 7 h 50 min 52 s
